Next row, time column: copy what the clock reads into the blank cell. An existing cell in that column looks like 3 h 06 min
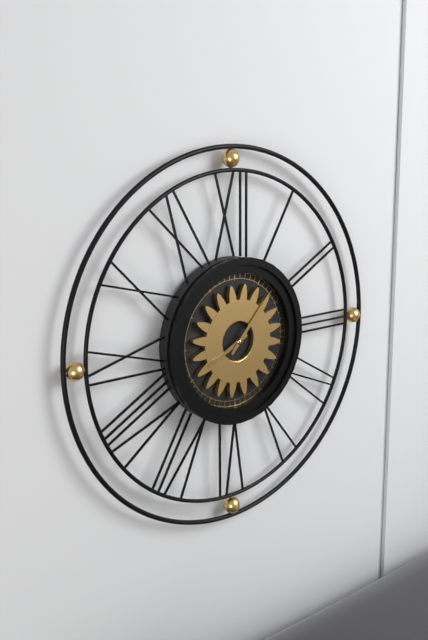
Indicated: 8 h 07 min
